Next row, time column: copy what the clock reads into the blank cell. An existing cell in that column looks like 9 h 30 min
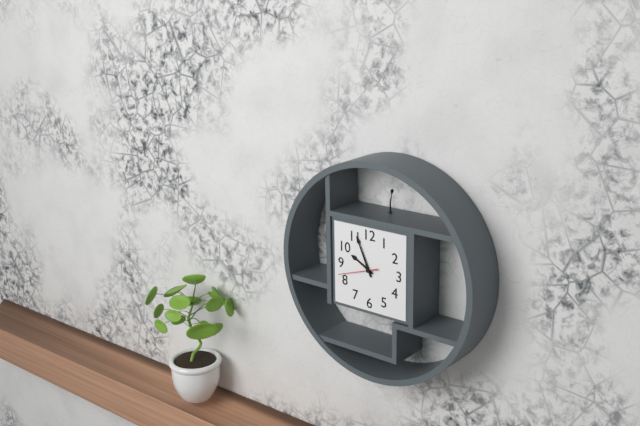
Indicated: 9 h 56 min
